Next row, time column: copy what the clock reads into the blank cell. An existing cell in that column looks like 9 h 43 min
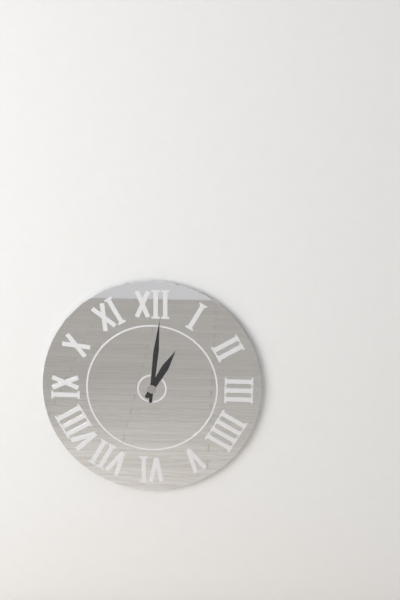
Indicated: 1 h 01 min
